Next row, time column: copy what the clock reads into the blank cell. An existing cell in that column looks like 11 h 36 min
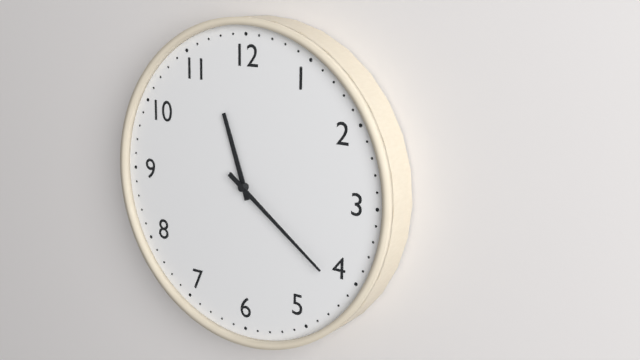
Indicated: 11 h 21 min
